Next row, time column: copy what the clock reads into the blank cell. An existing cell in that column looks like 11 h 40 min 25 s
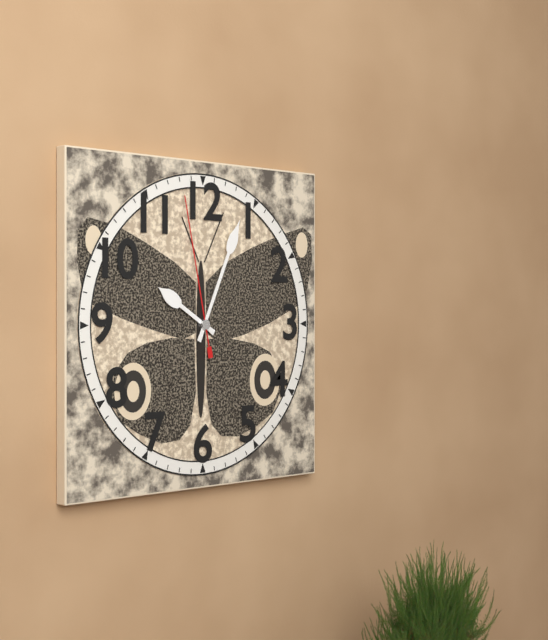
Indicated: 10 h 04 min 58 s
